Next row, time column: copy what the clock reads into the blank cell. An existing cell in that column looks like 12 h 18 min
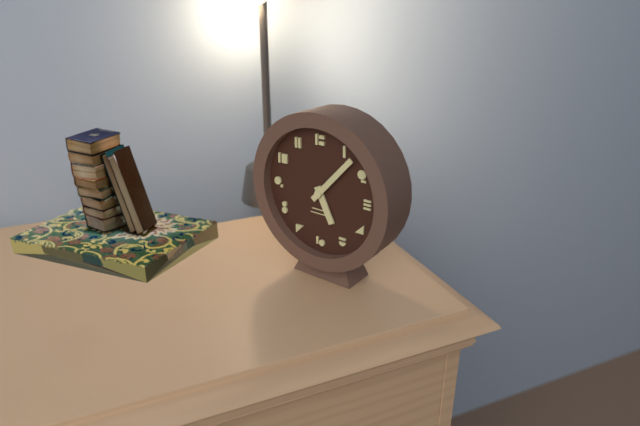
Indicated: 5 h 07 min
